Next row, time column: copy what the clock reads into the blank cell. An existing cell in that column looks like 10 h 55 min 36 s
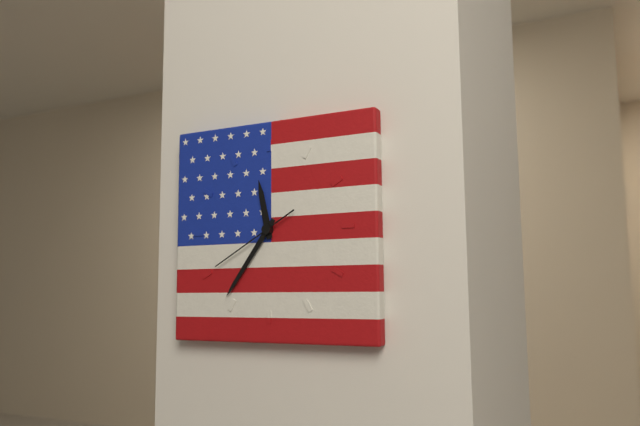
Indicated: 11 h 36 min 40 s
